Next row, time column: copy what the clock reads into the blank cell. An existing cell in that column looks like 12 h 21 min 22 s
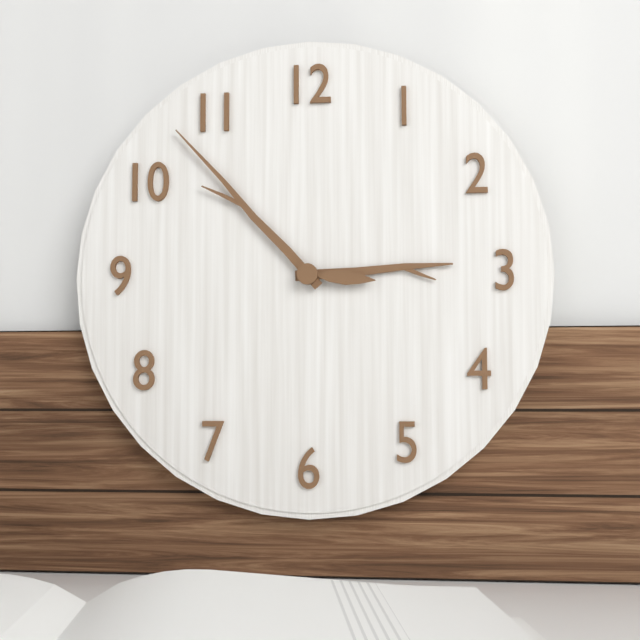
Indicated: 2 h 53 min 16 s
